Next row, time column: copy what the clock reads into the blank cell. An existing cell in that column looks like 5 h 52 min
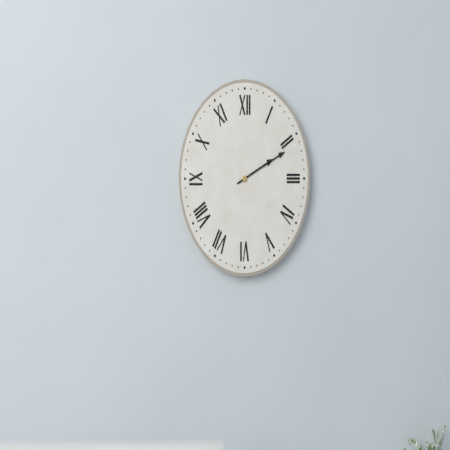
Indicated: 2 h 11 min
